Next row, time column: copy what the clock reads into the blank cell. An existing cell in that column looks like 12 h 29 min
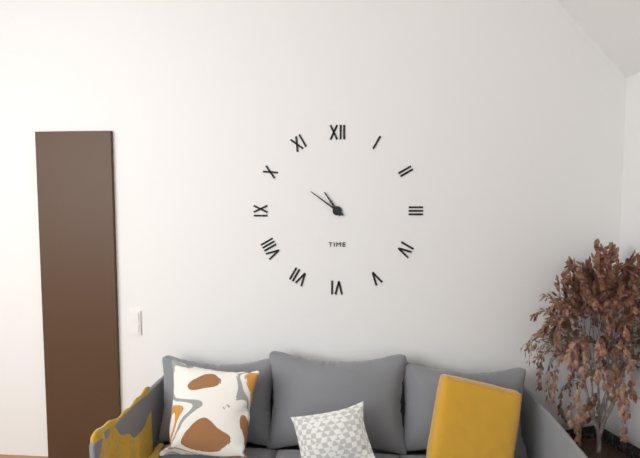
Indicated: 10 h 51 min
